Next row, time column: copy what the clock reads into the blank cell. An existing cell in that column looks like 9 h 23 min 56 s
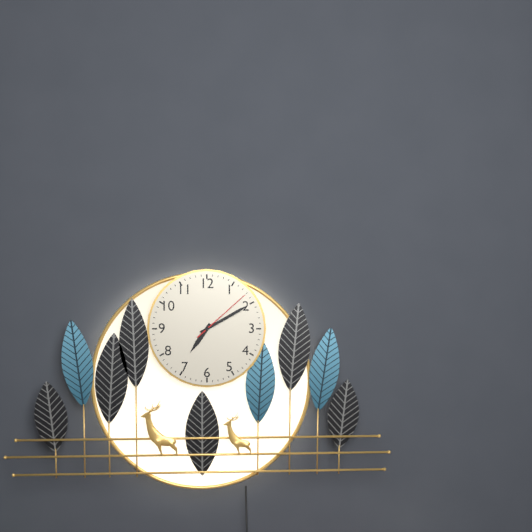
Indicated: 7 h 10 min 08 s
